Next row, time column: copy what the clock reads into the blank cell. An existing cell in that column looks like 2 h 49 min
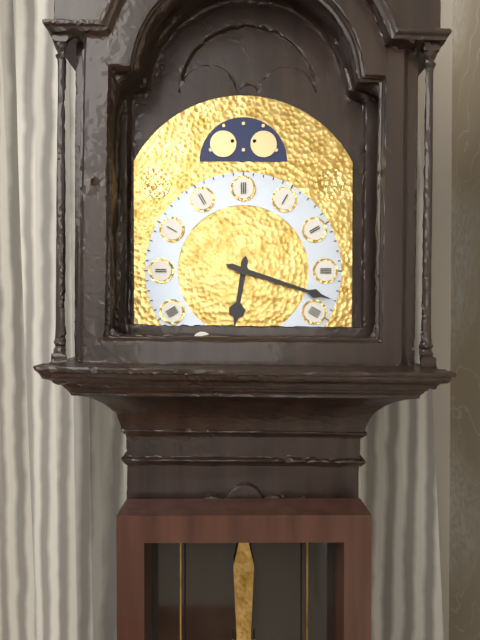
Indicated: 6 h 18 min
